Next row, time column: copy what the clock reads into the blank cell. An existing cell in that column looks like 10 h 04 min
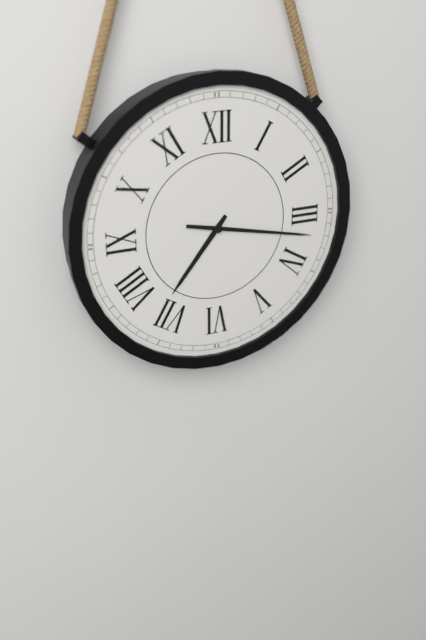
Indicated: 7 h 17 min
